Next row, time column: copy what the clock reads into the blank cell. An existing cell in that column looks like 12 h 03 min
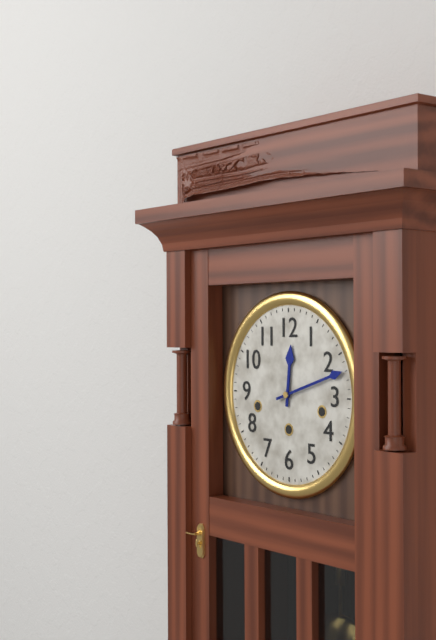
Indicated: 12 h 12 min
